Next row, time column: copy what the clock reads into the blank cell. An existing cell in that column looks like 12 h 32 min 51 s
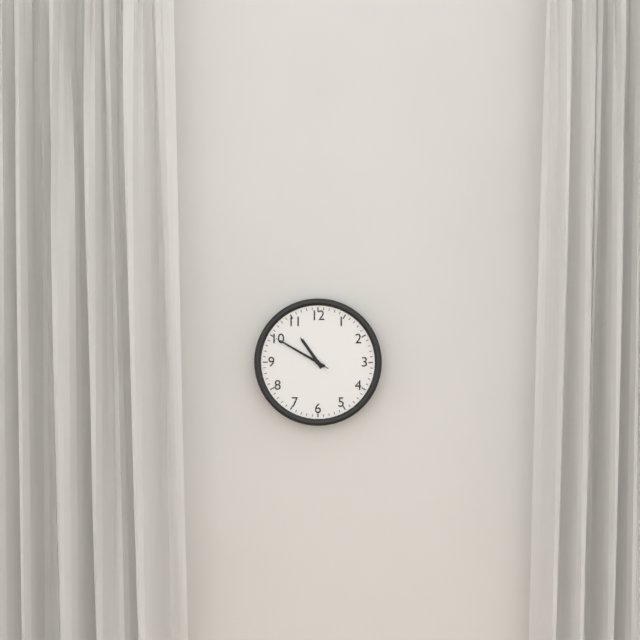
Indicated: 10 h 50 min 50 s
